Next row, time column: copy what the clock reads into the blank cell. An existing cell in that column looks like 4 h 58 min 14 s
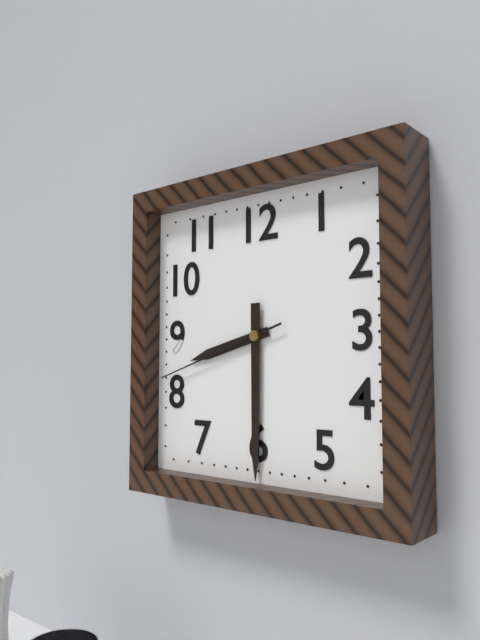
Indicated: 8 h 30 min 42 s
